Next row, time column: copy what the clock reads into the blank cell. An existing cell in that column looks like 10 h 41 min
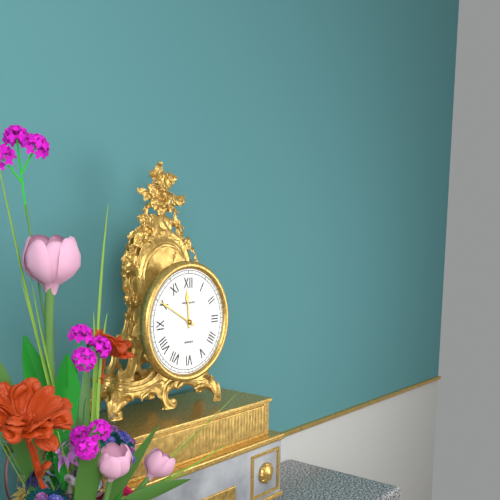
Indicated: 11 h 50 min
